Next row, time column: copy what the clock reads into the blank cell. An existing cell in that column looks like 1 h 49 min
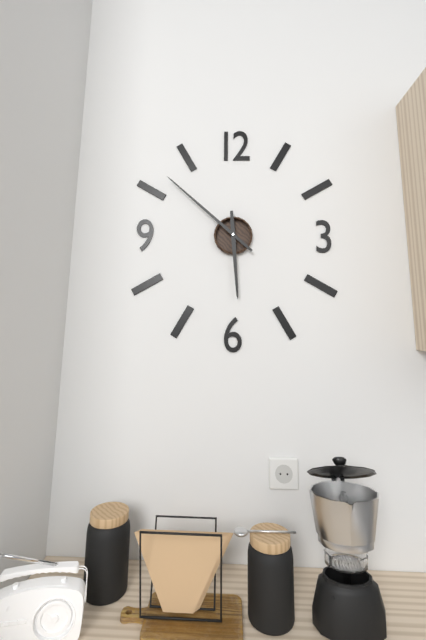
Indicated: 5 h 52 min
